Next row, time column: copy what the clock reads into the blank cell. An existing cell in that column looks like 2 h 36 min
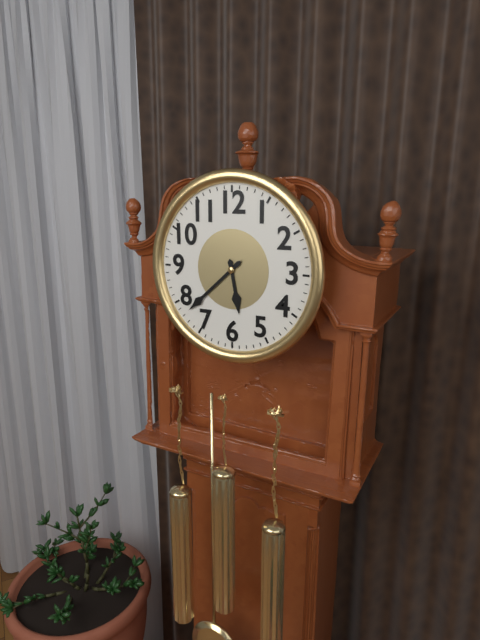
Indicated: 5 h 38 min
